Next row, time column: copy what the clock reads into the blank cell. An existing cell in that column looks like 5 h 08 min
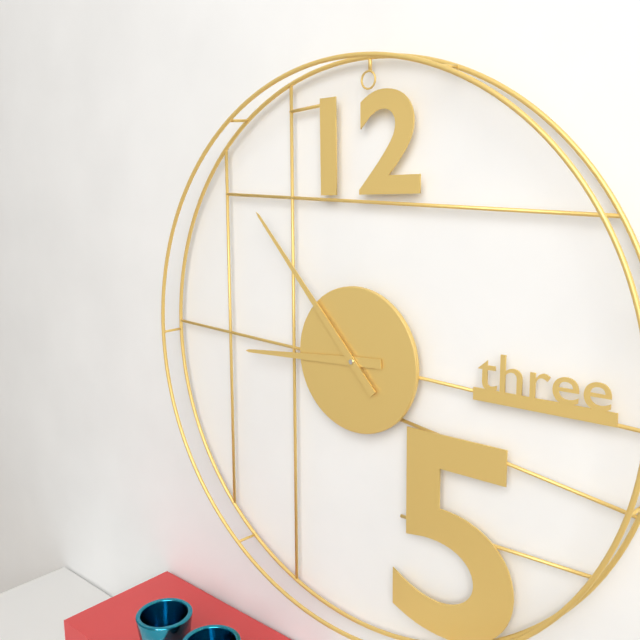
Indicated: 8 h 53 min
